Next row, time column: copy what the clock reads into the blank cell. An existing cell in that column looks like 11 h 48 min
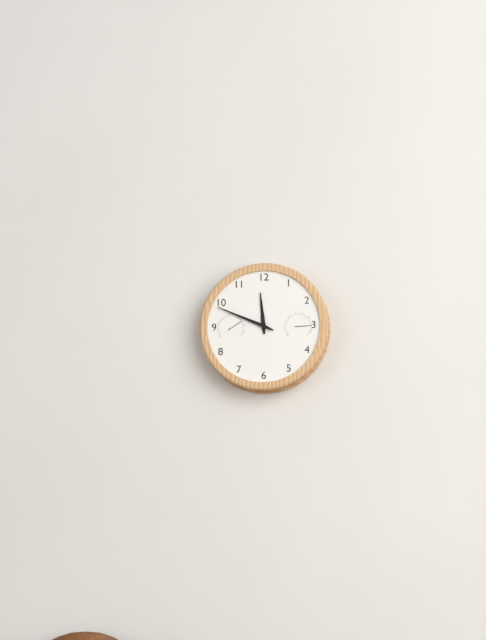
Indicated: 11 h 49 min
